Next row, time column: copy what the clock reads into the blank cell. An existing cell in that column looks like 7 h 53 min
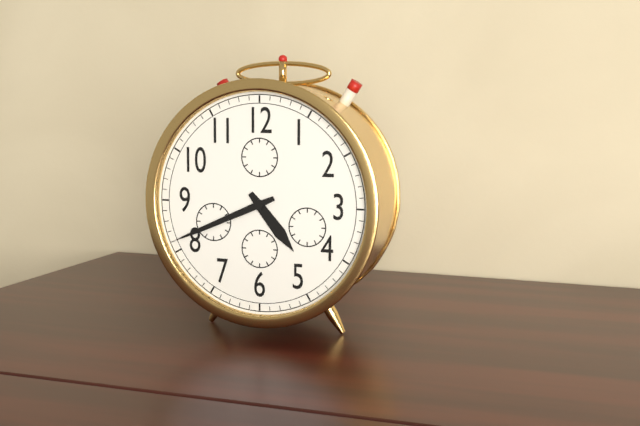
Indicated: 4 h 41 min
